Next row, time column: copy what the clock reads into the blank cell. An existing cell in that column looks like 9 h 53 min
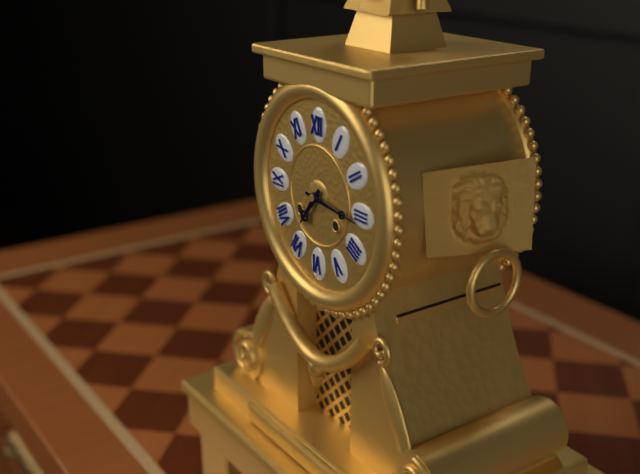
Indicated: 7 h 16 min
